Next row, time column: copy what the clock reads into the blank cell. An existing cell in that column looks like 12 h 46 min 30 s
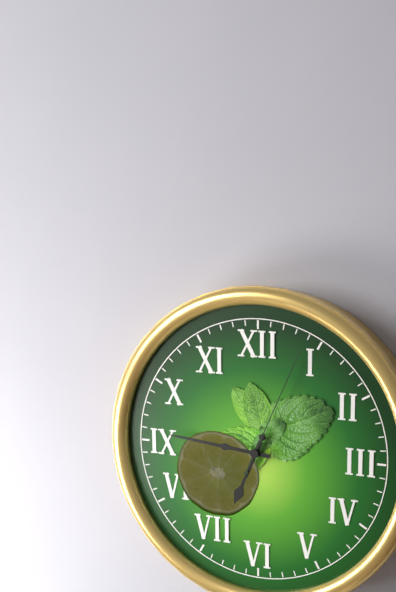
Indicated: 6 h 46 min 04 s
